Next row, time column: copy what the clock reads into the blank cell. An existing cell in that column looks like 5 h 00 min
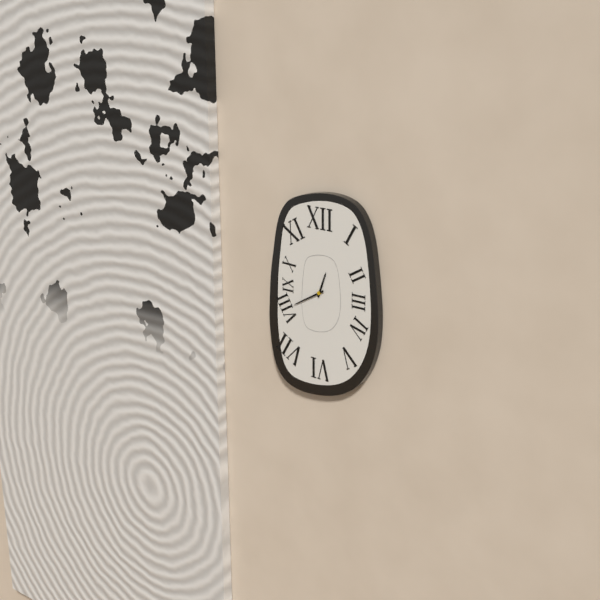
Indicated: 12 h 40 min
